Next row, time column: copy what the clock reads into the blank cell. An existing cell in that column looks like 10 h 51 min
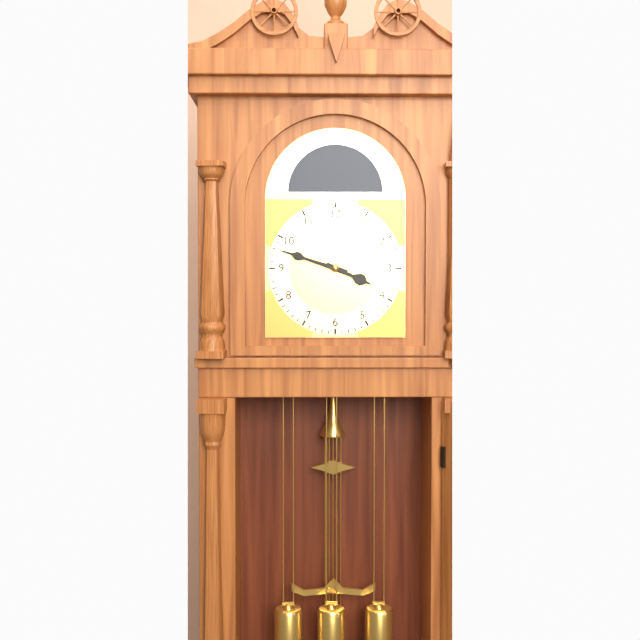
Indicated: 3 h 48 min
